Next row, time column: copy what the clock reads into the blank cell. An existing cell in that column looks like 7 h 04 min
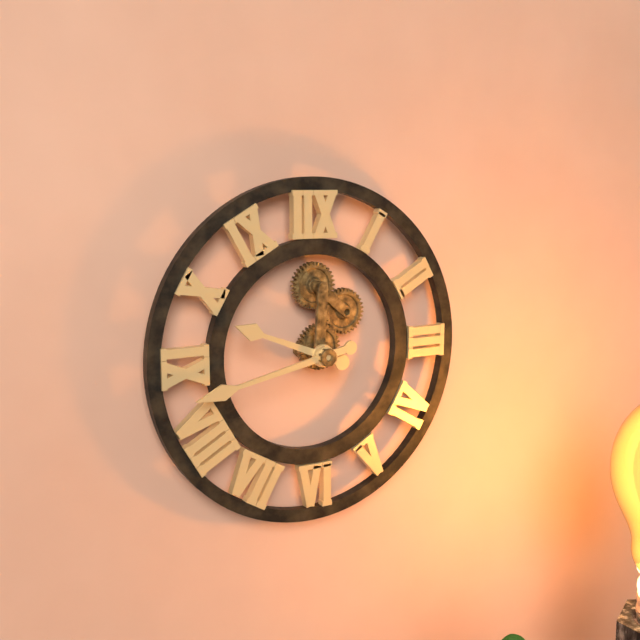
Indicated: 9 h 43 min
